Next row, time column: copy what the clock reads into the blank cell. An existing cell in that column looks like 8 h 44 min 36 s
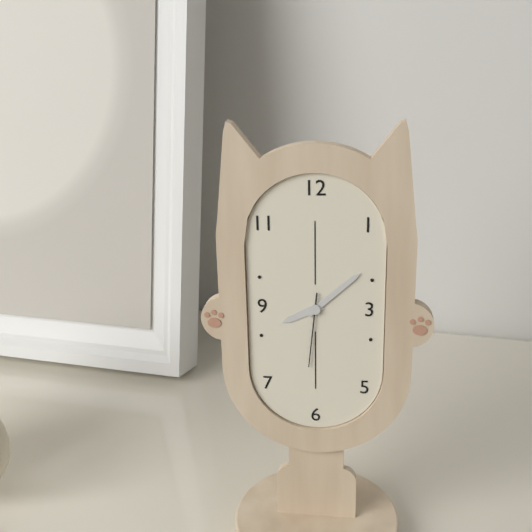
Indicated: 8 h 08 min 31 s
